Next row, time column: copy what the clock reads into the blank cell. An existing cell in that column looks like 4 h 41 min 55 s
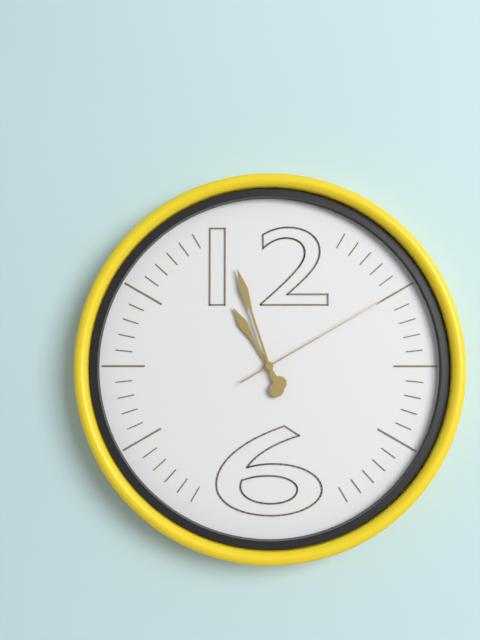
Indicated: 10 h 57 min 10 s
